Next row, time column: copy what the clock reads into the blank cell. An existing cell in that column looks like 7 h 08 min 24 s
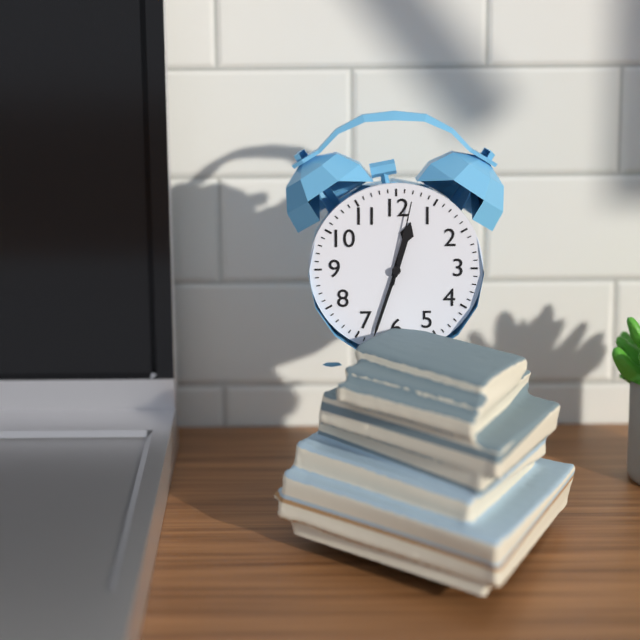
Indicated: 12 h 33 min 02 s
